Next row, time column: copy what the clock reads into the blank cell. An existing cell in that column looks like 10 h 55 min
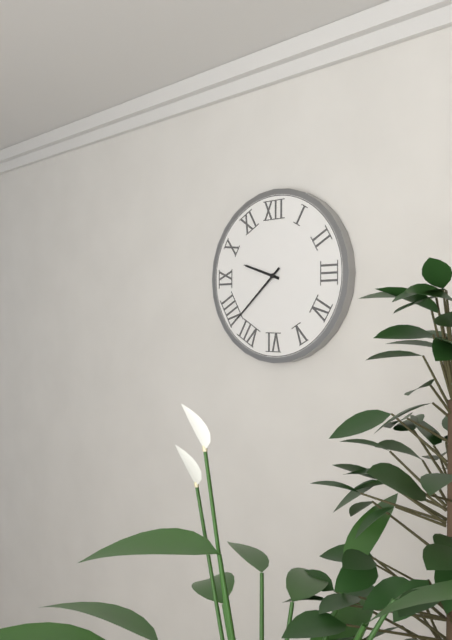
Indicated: 9 h 38 min
